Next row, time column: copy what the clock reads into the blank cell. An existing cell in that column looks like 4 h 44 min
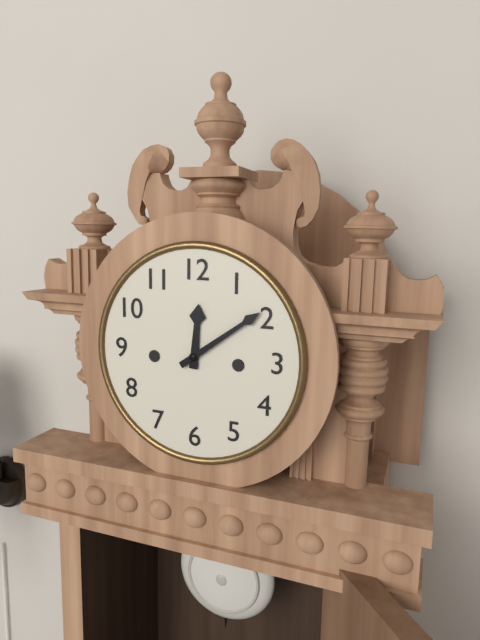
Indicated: 12 h 09 min
